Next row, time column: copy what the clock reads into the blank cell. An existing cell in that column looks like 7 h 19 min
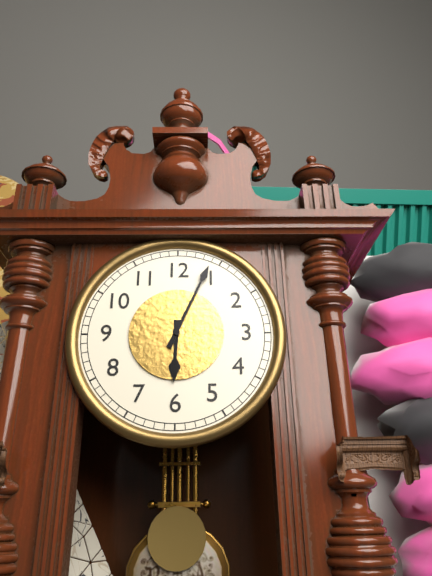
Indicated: 6 h 04 min
